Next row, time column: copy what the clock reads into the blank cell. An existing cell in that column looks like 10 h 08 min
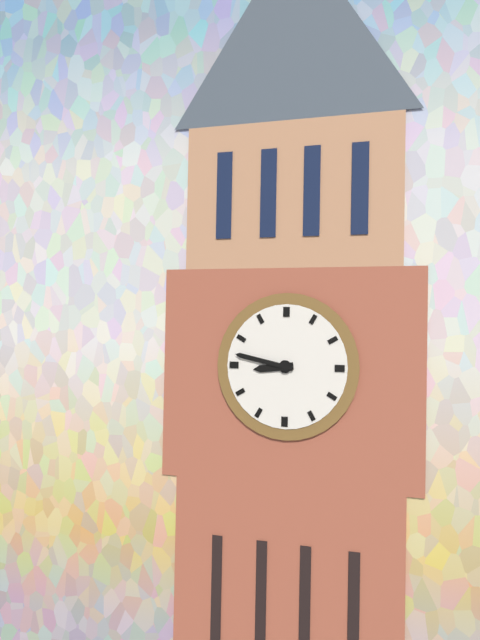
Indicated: 8 h 47 min
